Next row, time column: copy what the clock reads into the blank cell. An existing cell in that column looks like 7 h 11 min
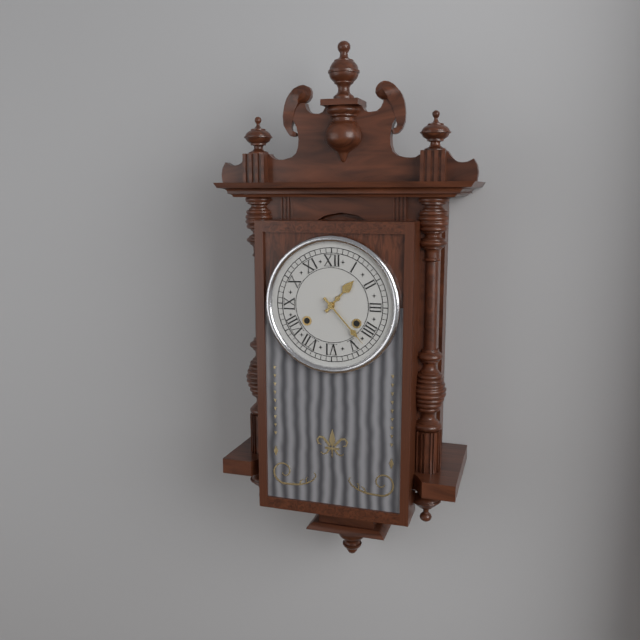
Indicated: 1 h 23 min
